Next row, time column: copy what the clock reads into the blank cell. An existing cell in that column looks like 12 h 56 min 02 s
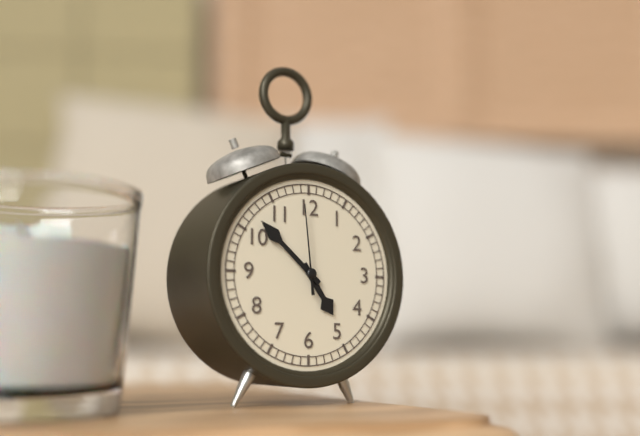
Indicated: 4 h 52 min 59 s
